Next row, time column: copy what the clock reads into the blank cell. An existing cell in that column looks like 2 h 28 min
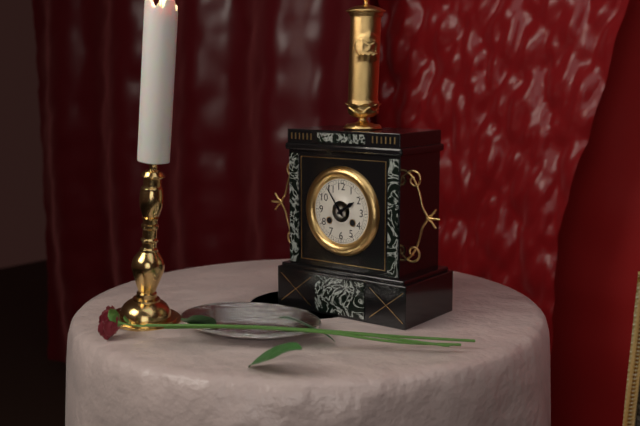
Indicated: 1 h 54 min
